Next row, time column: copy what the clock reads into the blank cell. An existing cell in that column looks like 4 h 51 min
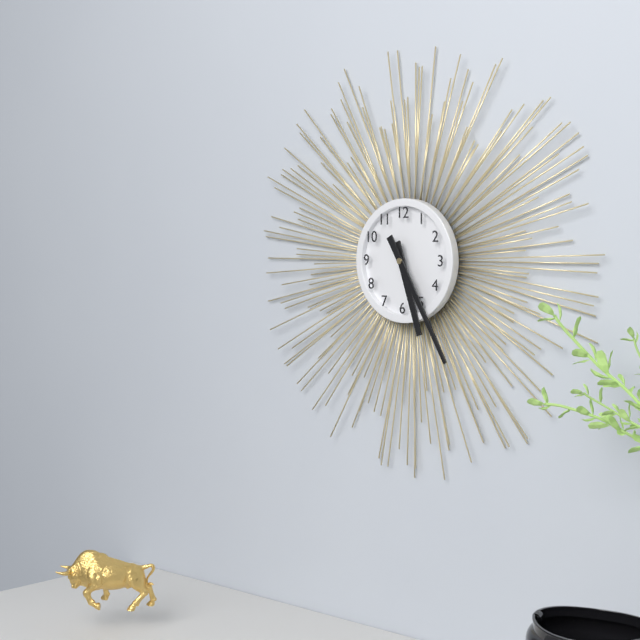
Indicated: 5 h 25 min
